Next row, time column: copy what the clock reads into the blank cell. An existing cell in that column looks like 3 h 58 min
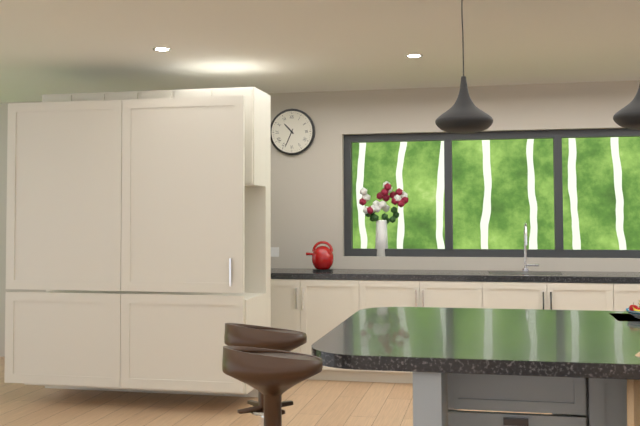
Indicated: 10 h 34 min
